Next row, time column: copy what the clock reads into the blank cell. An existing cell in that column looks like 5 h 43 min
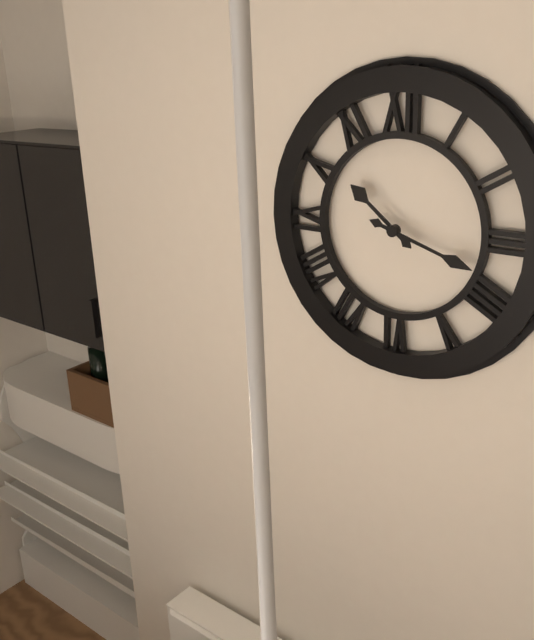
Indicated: 10 h 18 min
